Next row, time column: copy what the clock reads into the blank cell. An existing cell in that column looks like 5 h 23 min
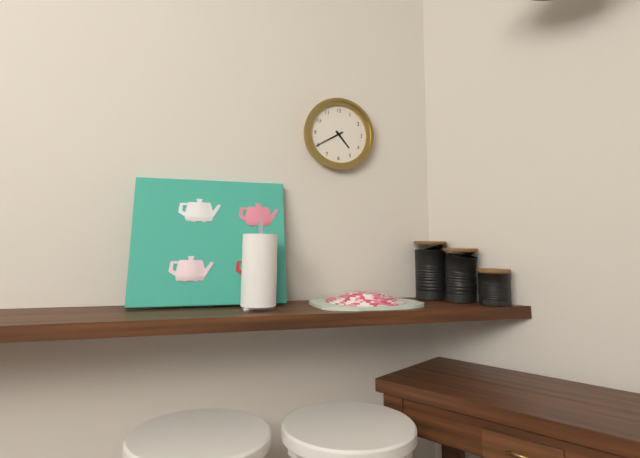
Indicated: 4 h 40 min
